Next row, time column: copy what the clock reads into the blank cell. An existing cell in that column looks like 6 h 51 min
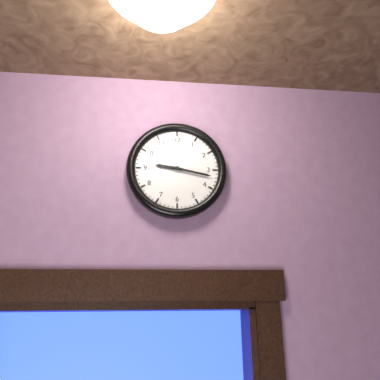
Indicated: 9 h 17 min
